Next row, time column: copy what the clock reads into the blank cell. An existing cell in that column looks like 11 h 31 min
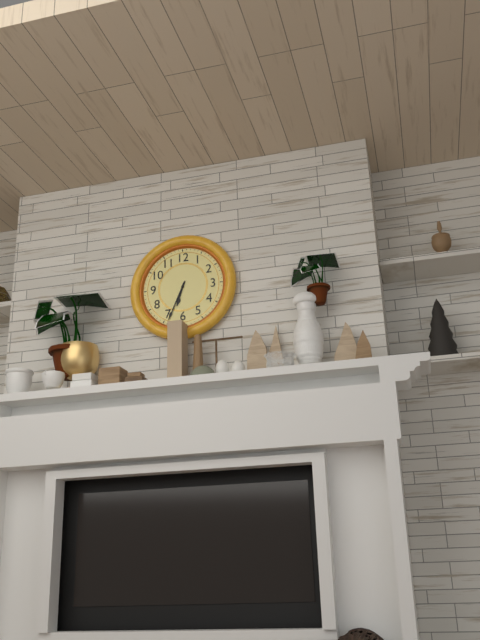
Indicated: 6 h 34 min
